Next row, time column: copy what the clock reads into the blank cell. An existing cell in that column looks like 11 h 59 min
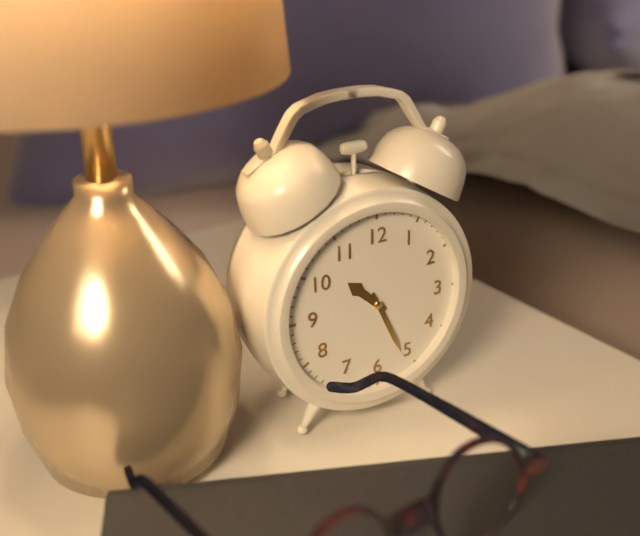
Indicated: 10 h 26 min
